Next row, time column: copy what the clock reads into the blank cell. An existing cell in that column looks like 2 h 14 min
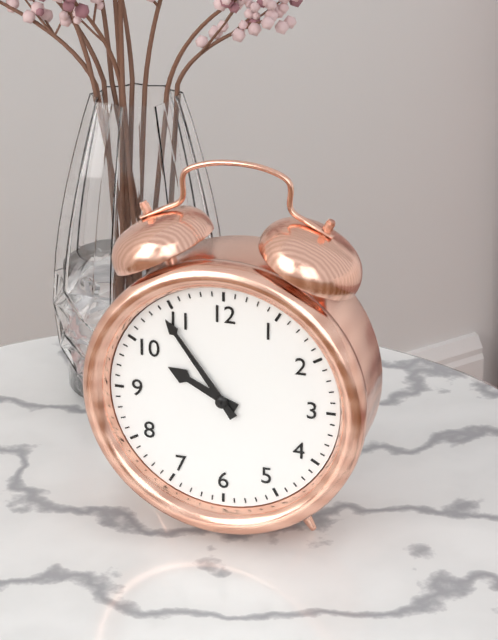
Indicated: 9 h 54 min
